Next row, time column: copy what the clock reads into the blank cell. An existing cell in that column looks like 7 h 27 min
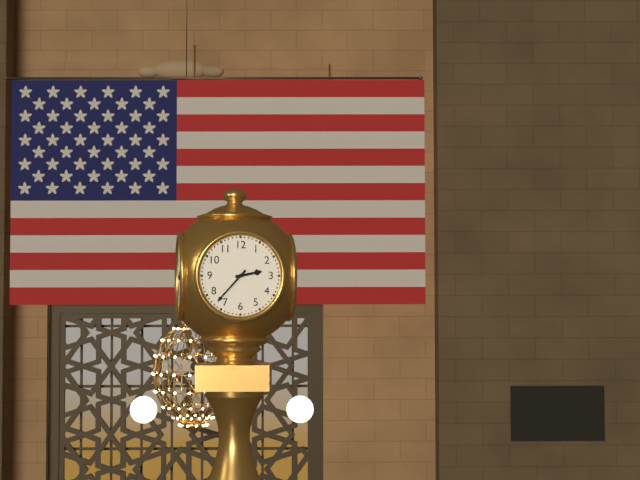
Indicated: 2 h 37 min
